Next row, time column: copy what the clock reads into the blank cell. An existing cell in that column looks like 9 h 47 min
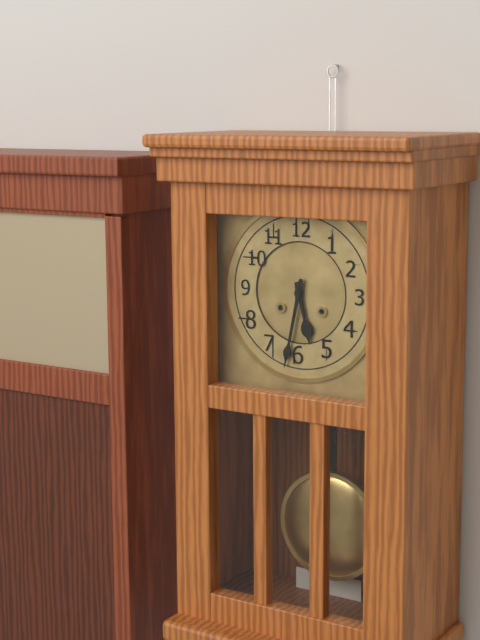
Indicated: 5 h 32 min
